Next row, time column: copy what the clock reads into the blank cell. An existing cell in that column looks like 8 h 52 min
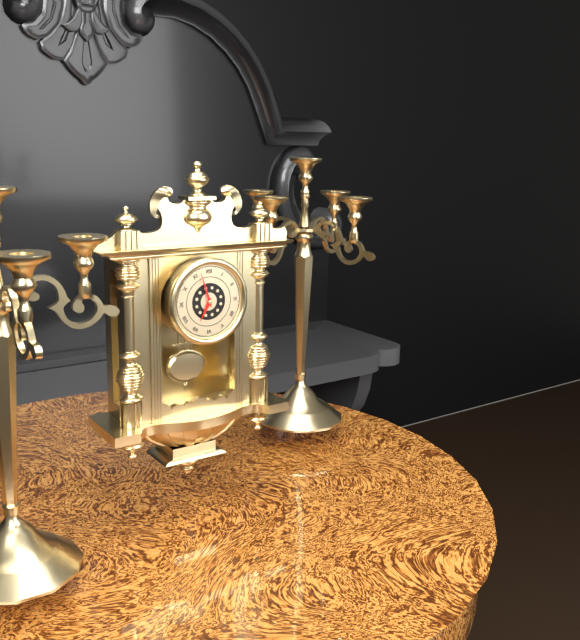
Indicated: 6 h 57 min
